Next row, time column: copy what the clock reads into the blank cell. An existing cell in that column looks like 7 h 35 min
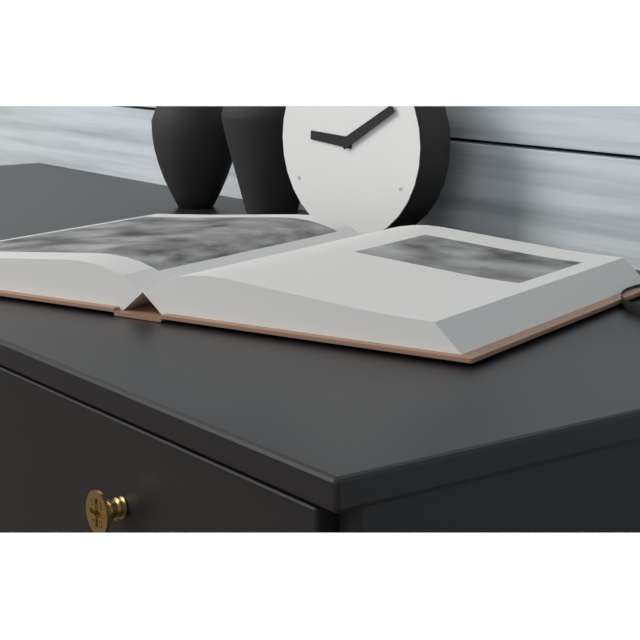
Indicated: 9 h 10 min
